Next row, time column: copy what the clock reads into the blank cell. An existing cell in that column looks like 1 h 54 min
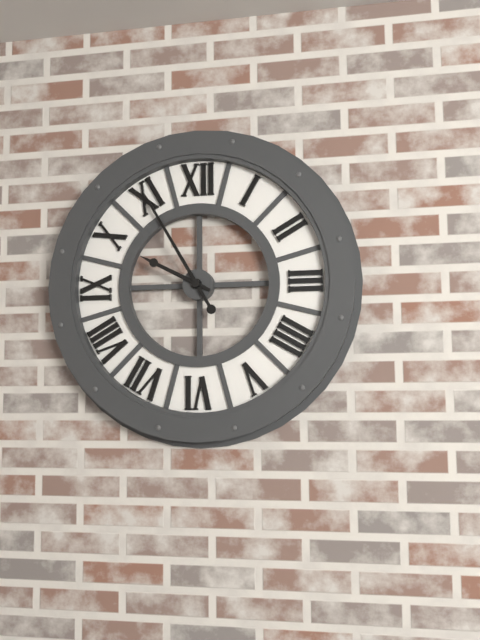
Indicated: 9 h 55 min
